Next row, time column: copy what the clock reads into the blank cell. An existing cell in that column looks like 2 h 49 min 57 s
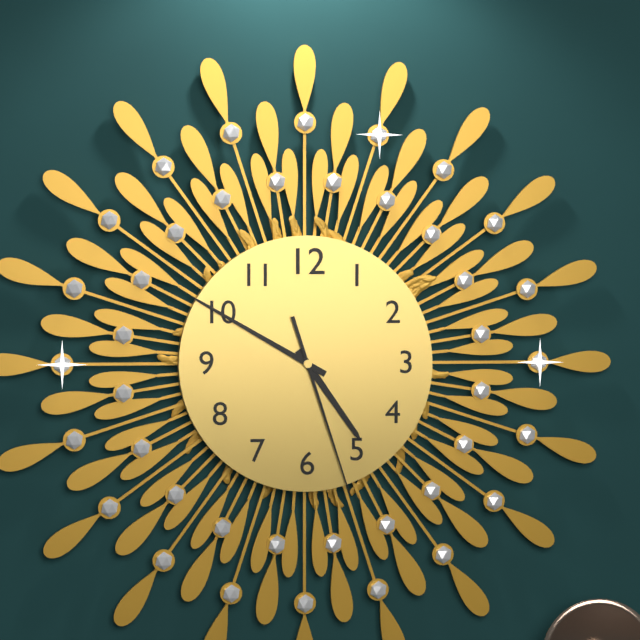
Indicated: 4 h 50 min 27 s
